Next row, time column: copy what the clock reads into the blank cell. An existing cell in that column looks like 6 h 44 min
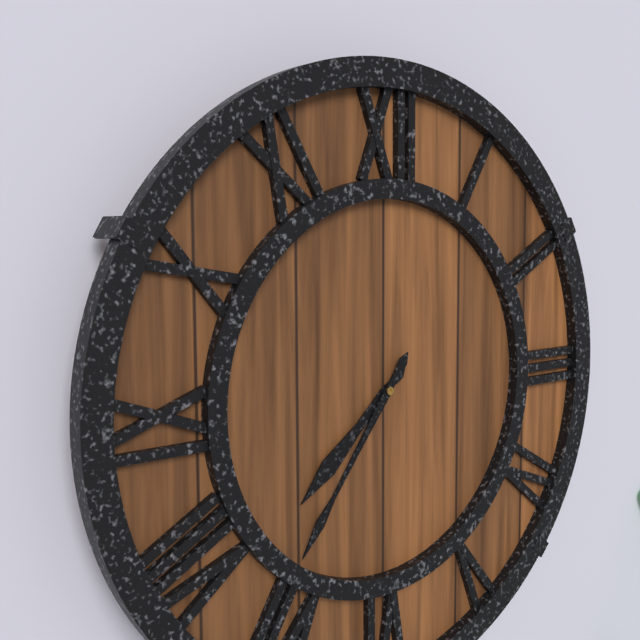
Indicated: 7 h 36 min
